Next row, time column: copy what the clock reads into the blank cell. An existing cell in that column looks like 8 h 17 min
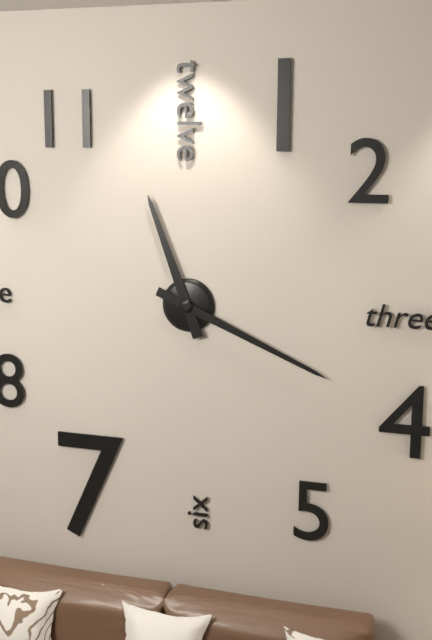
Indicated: 11 h 19 min
